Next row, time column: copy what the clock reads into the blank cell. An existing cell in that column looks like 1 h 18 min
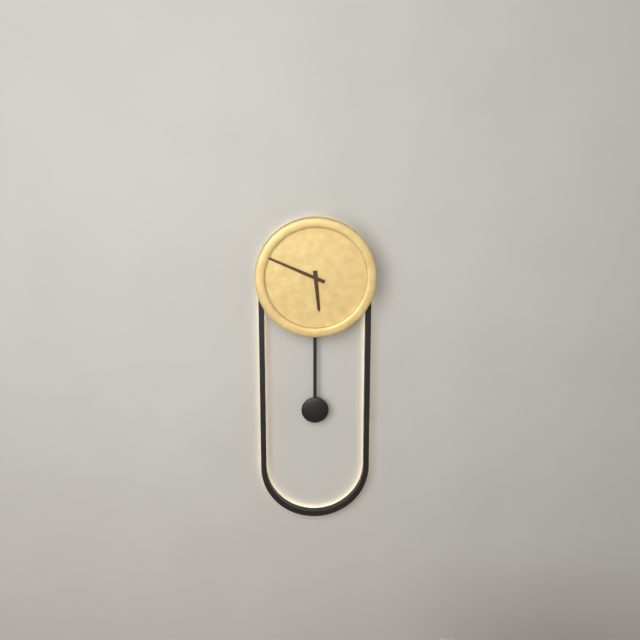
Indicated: 5 h 49 min
